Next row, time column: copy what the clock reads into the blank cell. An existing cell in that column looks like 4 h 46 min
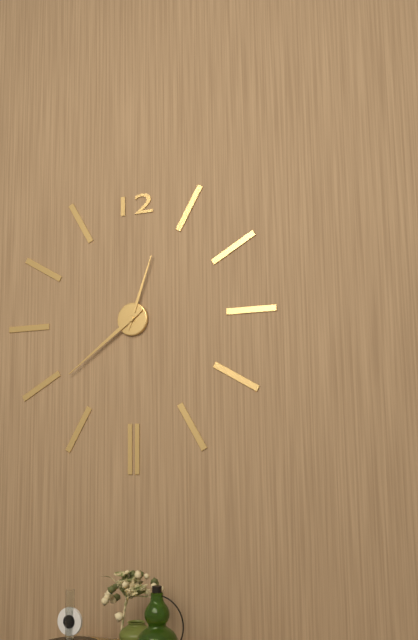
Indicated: 12 h 39 min
